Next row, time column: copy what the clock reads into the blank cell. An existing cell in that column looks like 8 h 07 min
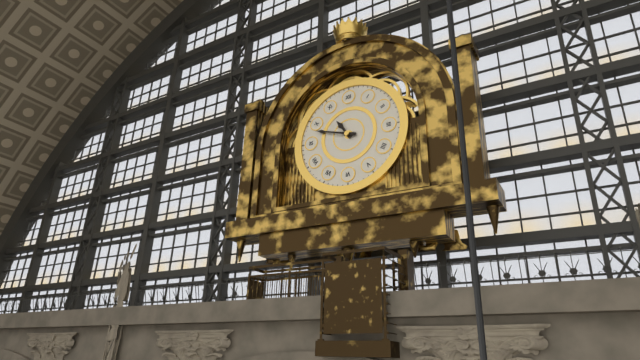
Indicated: 10 h 48 min
